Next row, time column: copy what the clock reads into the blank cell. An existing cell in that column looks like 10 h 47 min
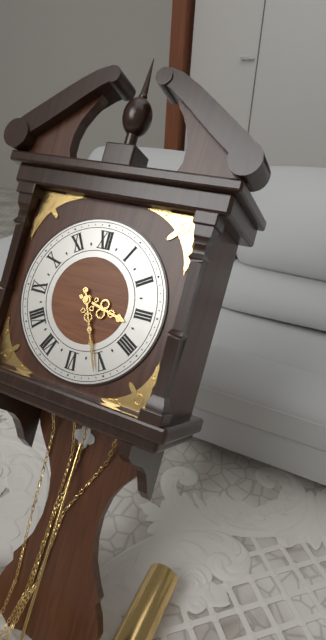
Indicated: 3 h 26 min
